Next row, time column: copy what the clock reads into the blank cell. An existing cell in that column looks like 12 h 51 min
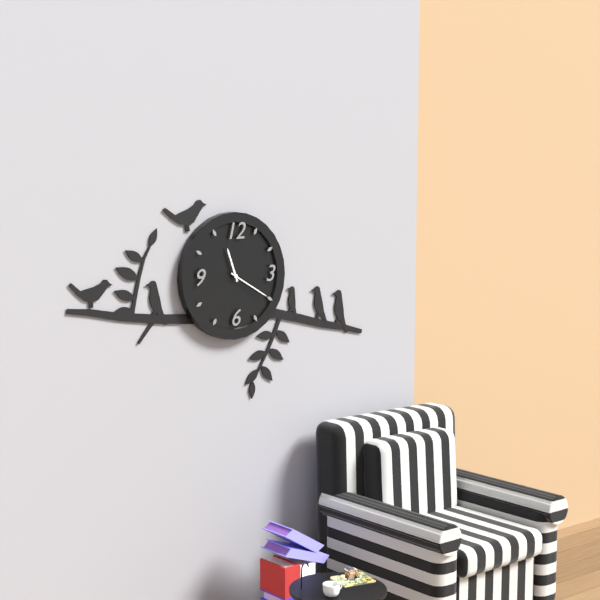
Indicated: 11 h 20 min
